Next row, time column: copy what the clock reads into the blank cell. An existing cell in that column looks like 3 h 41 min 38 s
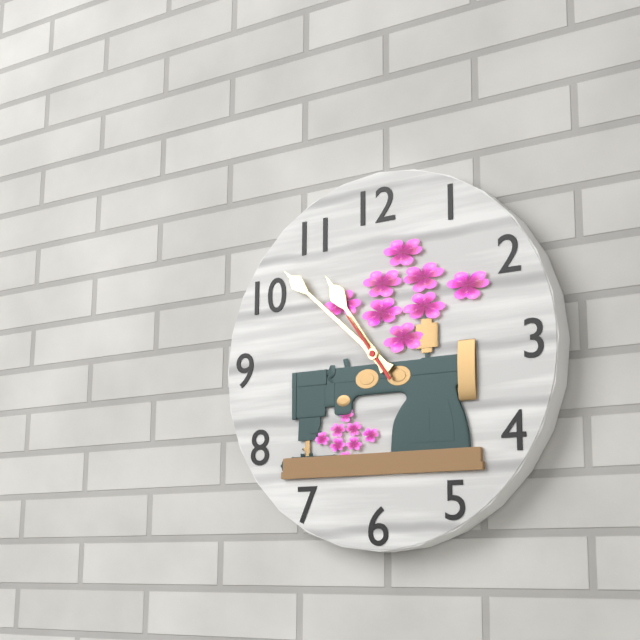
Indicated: 10 h 52 min 54 s
